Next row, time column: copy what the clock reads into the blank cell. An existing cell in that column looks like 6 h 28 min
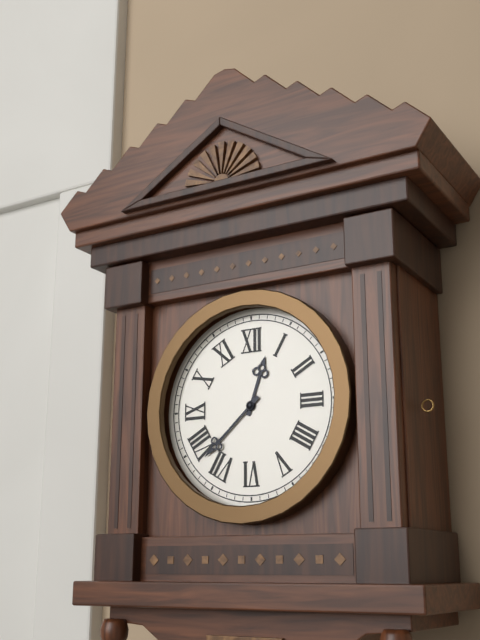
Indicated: 12 h 38 min
